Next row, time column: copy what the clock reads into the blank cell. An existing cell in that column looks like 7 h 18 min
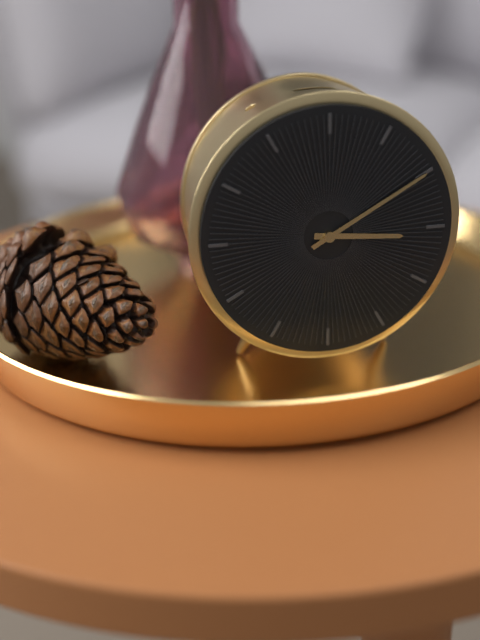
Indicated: 3 h 10 min
